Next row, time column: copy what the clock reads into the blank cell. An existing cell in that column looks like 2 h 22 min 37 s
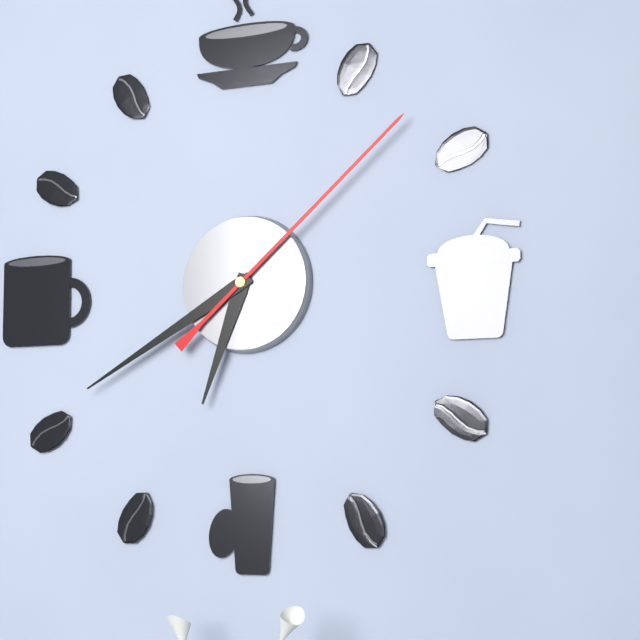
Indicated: 6 h 40 min 08 s
